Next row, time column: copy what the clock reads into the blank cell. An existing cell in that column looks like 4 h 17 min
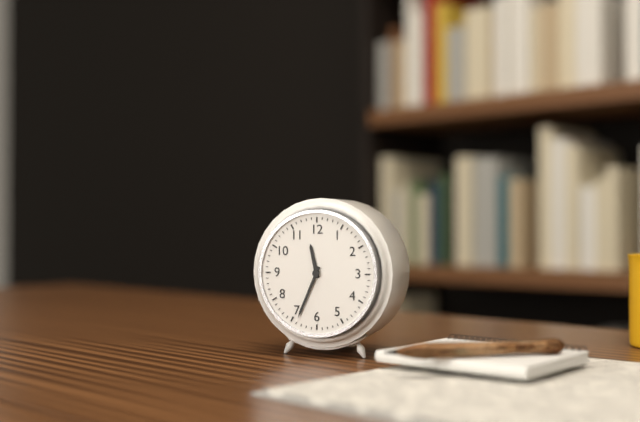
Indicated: 11 h 34 min
